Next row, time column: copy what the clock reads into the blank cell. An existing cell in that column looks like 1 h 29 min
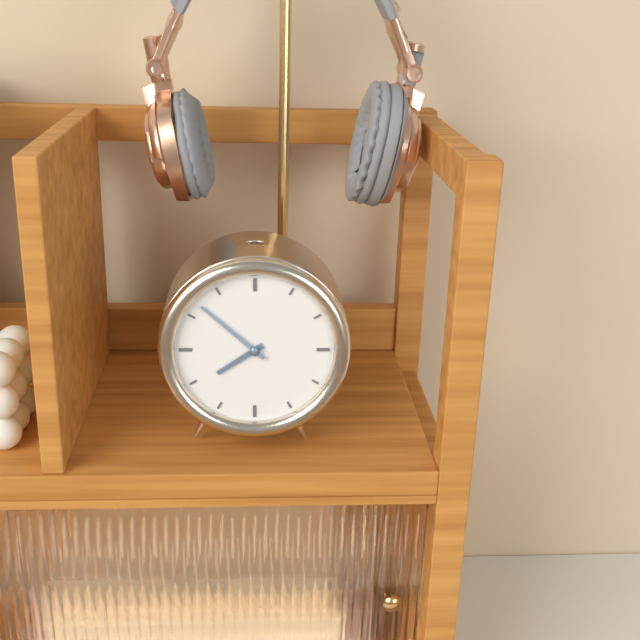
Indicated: 7 h 52 min
